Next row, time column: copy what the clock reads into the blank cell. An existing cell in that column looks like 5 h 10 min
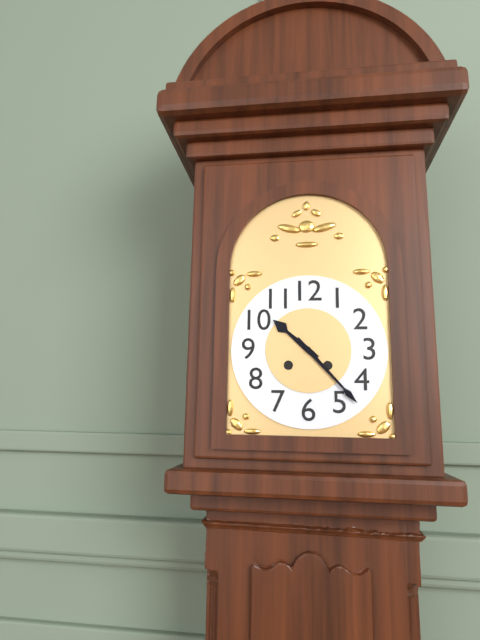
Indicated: 10 h 23 min
